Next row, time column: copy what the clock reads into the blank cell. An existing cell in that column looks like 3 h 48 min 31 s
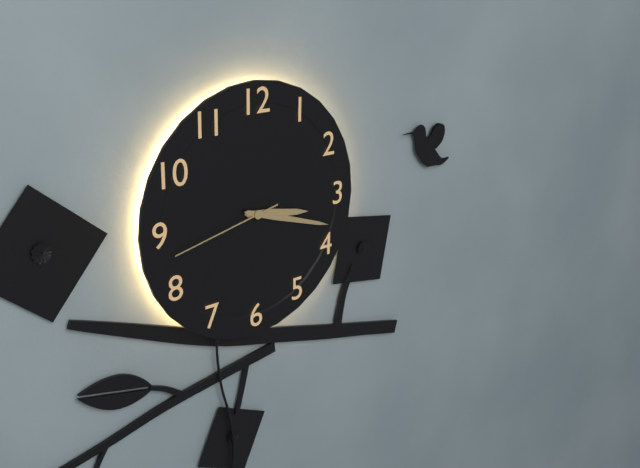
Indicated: 3 h 18 min 43 s
